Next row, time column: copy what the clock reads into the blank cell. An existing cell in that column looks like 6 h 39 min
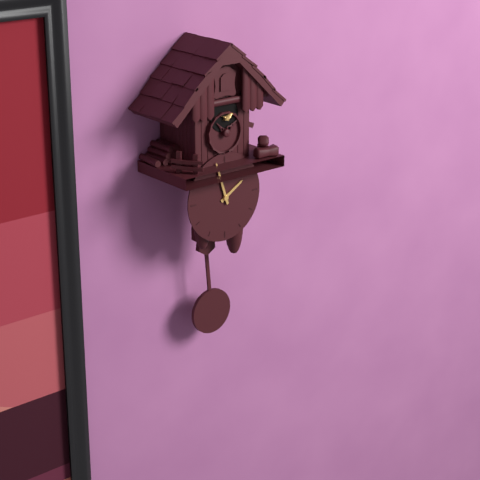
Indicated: 1 h 57 min
